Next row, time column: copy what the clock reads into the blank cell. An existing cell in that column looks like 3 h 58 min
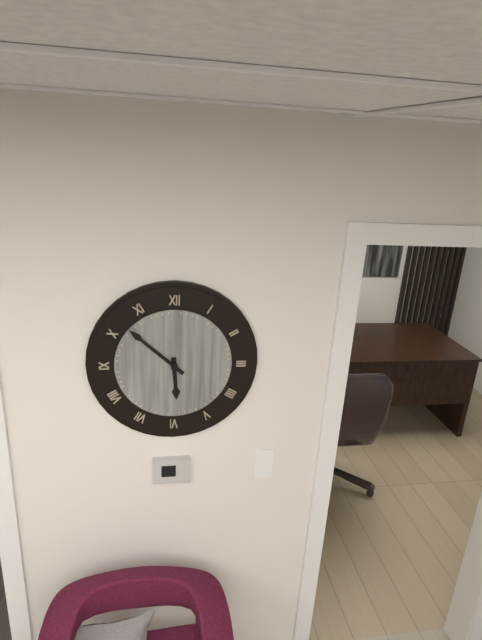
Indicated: 5 h 52 min
